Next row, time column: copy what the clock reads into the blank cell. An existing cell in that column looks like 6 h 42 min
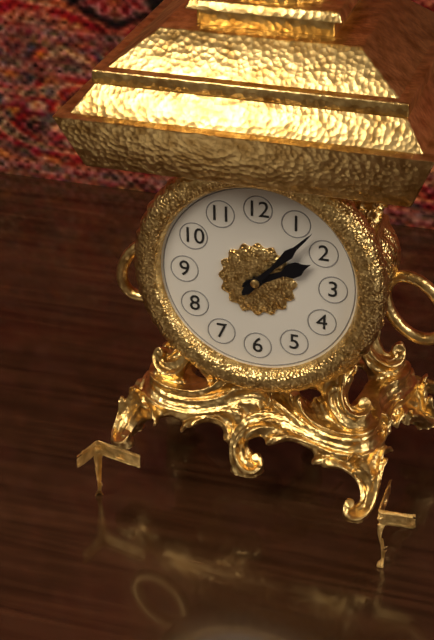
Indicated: 2 h 07 min
